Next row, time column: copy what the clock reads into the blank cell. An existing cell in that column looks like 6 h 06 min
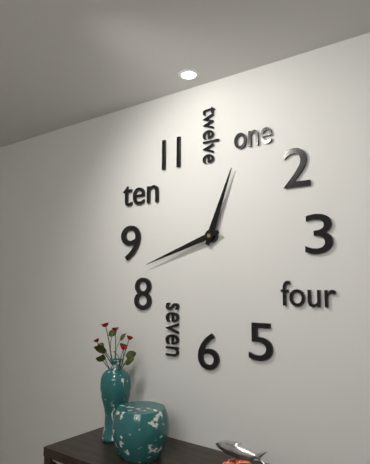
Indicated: 12 h 42 min
